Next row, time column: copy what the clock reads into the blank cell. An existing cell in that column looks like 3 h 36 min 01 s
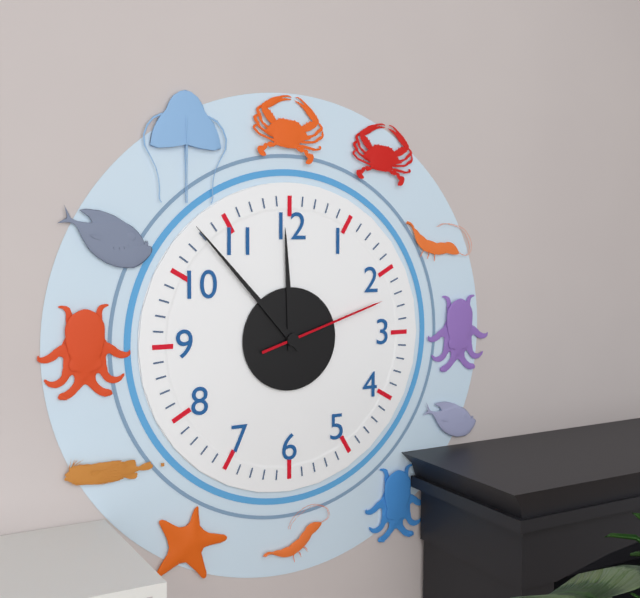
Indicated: 11 h 53 min 12 s
